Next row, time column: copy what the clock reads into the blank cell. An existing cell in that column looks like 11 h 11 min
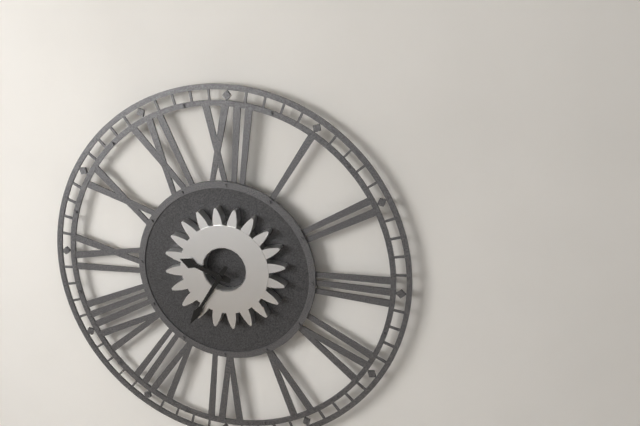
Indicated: 9 h 35 min
